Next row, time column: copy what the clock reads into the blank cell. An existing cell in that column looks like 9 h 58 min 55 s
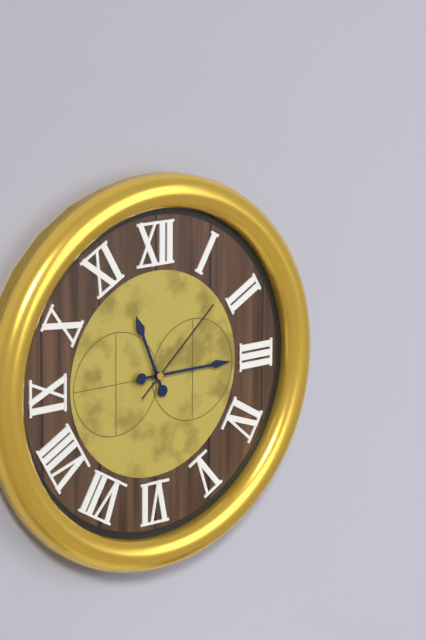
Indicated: 11 h 15 min 08 s
